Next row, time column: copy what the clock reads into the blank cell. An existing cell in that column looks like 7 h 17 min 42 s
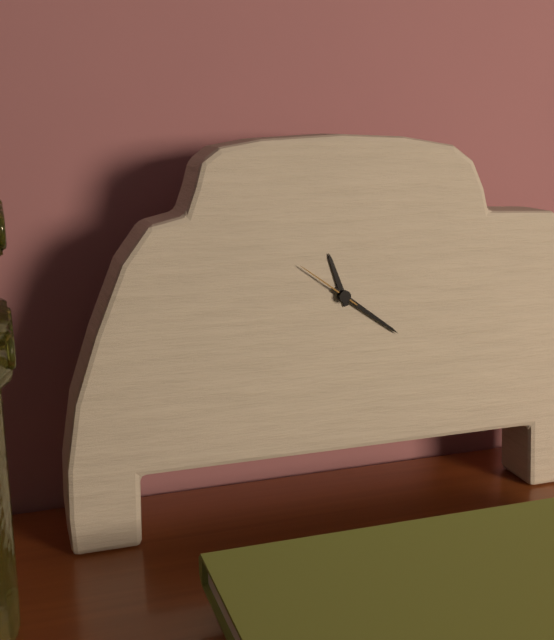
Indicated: 11 h 21 min 51 s
